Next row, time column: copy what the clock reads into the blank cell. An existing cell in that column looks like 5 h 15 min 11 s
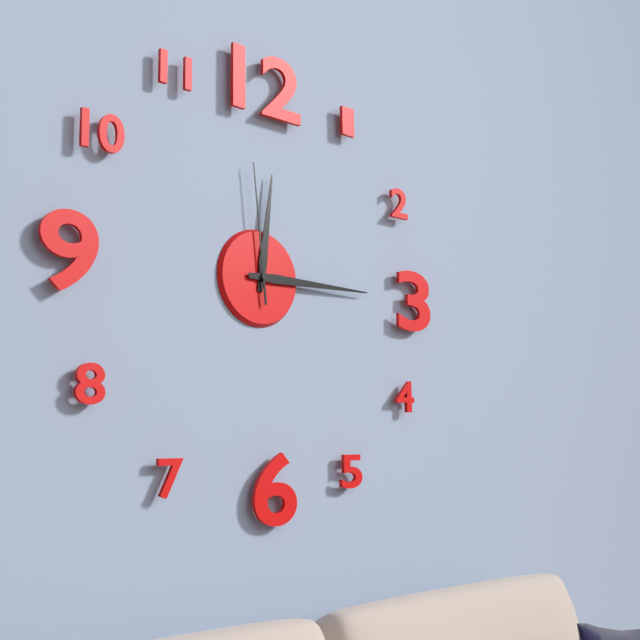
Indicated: 12 h 15 min 59 s
